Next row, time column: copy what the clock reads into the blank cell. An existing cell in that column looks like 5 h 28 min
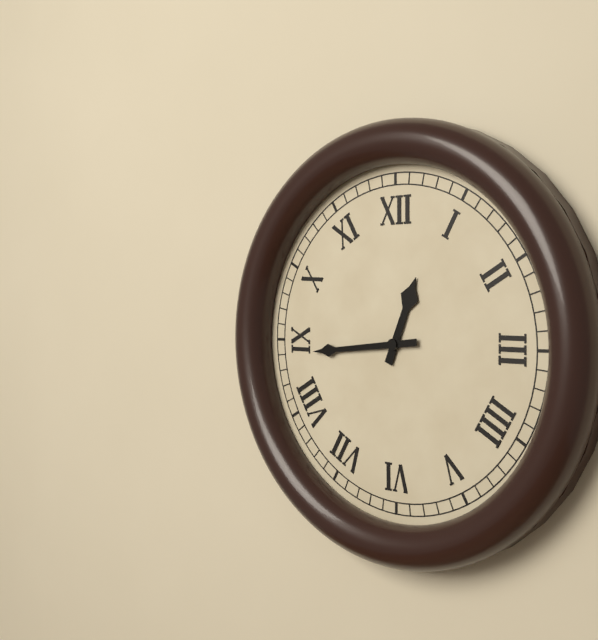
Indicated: 12 h 44 min
